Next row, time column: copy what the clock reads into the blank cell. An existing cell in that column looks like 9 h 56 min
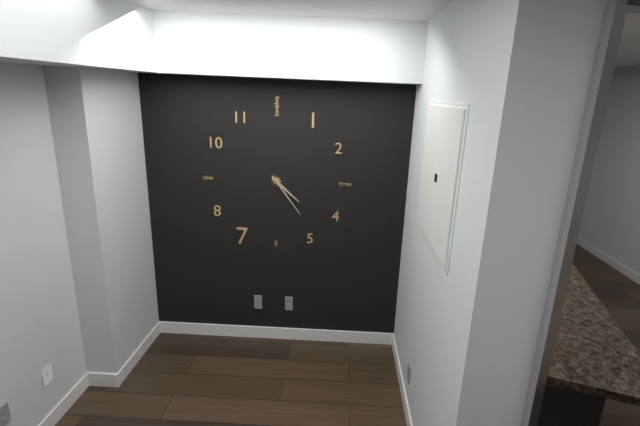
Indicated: 4 h 24 min
